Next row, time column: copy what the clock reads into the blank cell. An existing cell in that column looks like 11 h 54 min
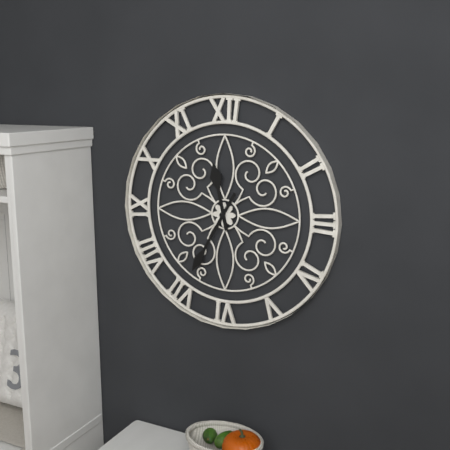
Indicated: 11 h 35 min
